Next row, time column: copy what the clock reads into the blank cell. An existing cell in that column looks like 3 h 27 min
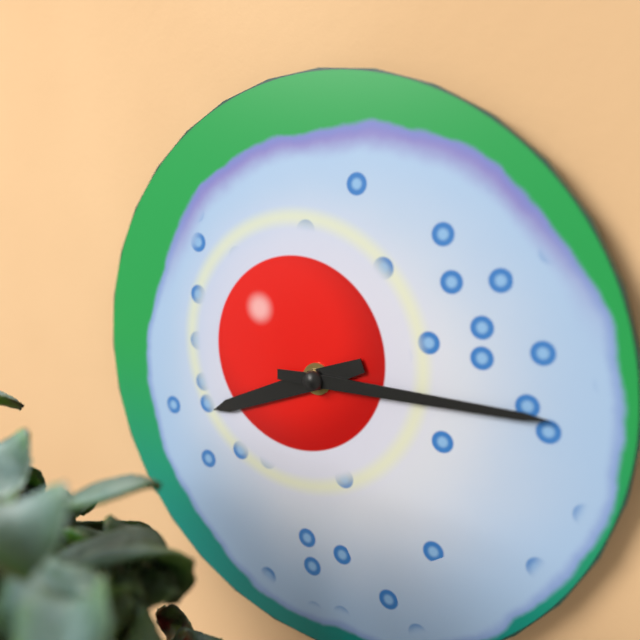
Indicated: 8 h 15 min
